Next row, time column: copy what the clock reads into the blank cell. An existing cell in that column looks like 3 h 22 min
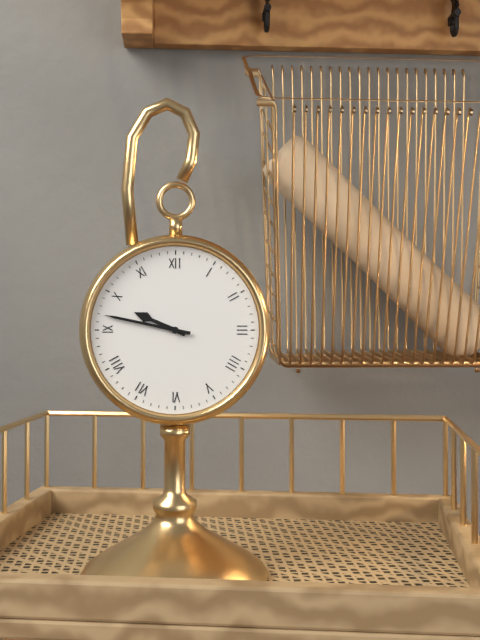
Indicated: 9 h 47 min
